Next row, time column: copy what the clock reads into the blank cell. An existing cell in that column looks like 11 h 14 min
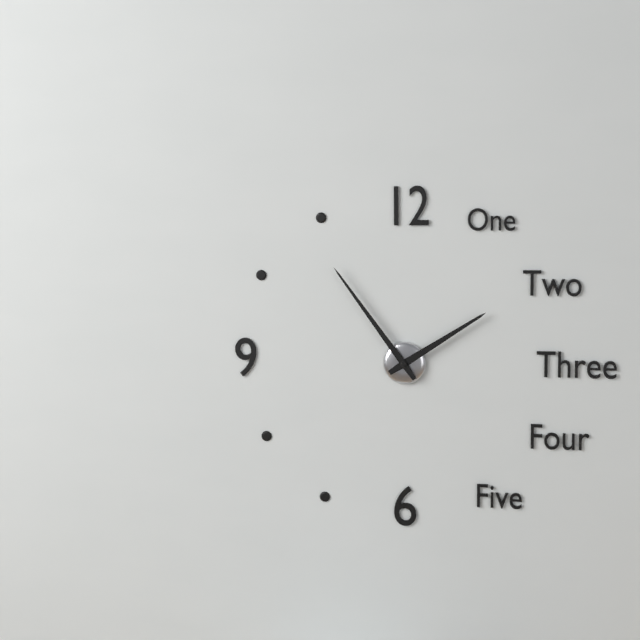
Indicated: 1 h 54 min
